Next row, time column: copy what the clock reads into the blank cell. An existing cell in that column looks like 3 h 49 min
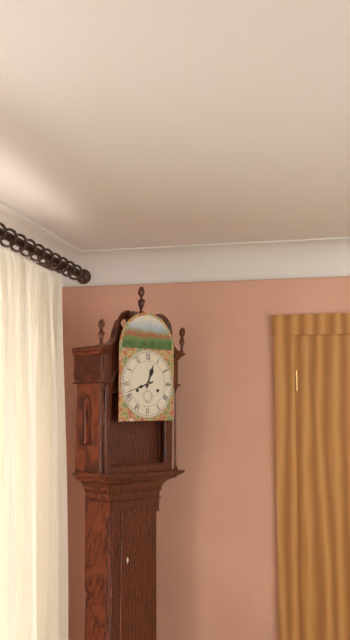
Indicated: 12 h 42 min
